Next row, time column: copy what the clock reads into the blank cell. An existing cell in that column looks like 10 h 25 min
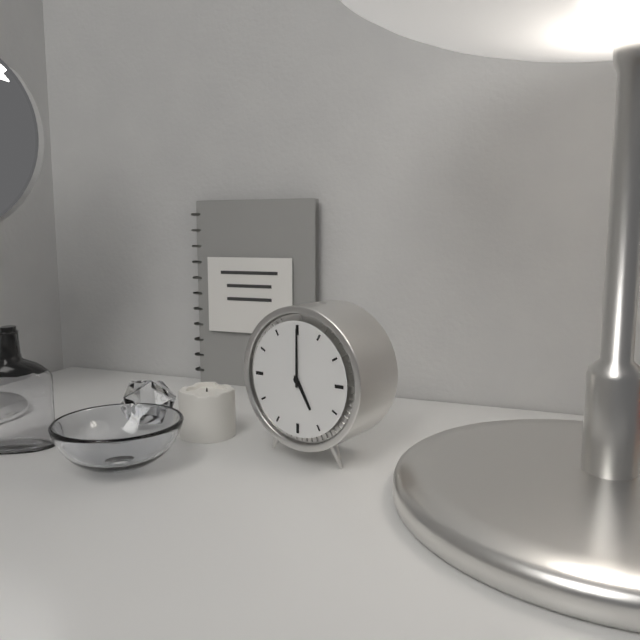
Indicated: 5 h 00 min
